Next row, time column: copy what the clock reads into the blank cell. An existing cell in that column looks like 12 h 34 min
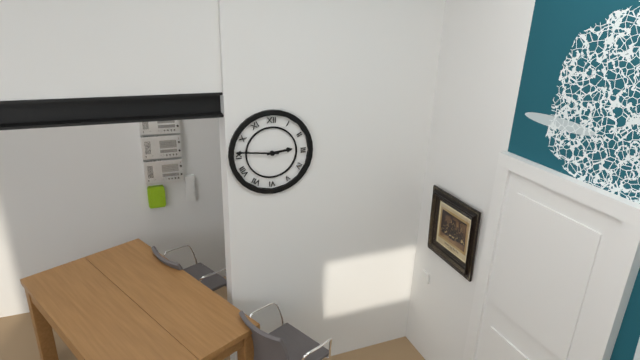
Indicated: 2 h 46 min
